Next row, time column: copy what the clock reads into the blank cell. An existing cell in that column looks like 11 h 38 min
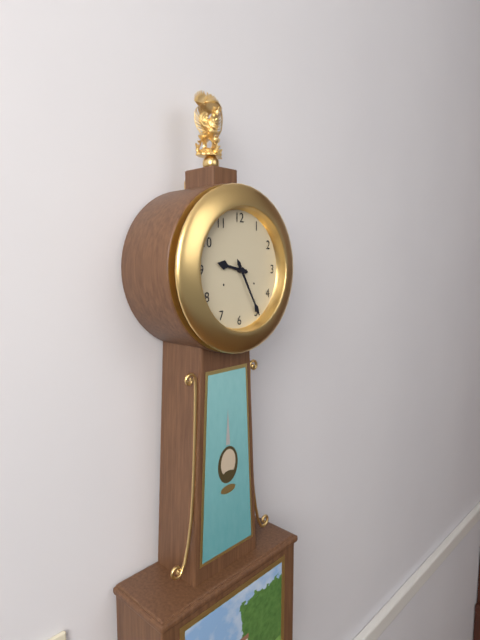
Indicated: 9 h 25 min
